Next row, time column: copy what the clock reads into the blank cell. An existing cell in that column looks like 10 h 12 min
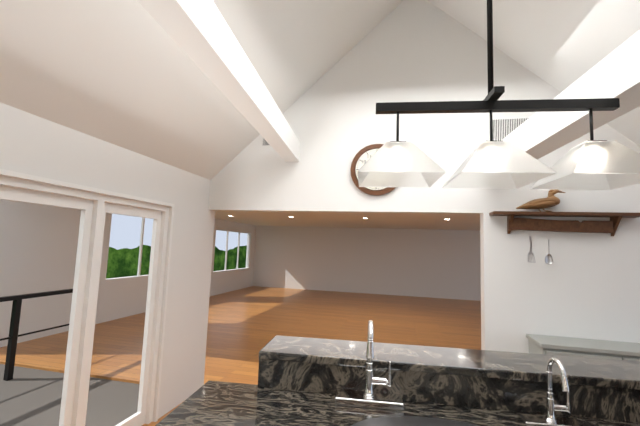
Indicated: 8 h 00 min
